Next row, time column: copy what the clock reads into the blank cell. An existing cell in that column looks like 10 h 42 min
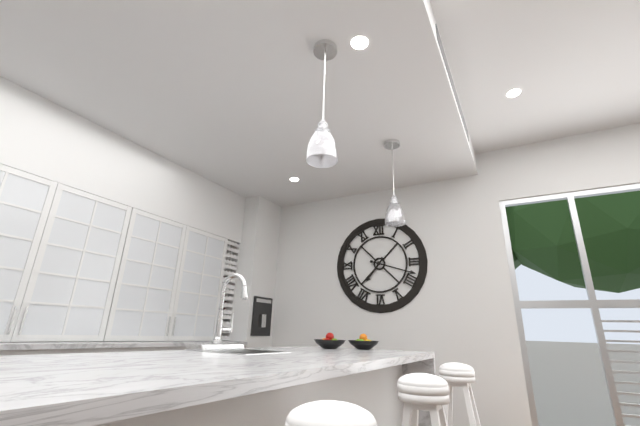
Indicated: 7 h 18 min
